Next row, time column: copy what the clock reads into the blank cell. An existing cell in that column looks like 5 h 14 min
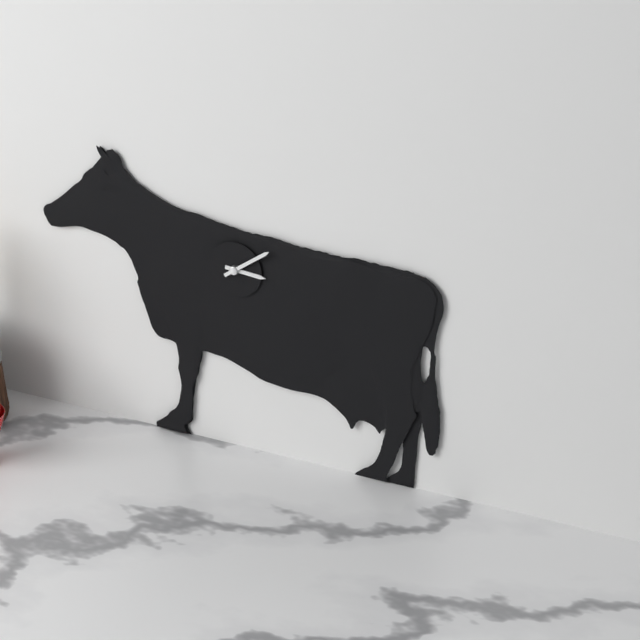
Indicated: 3 h 09 min
